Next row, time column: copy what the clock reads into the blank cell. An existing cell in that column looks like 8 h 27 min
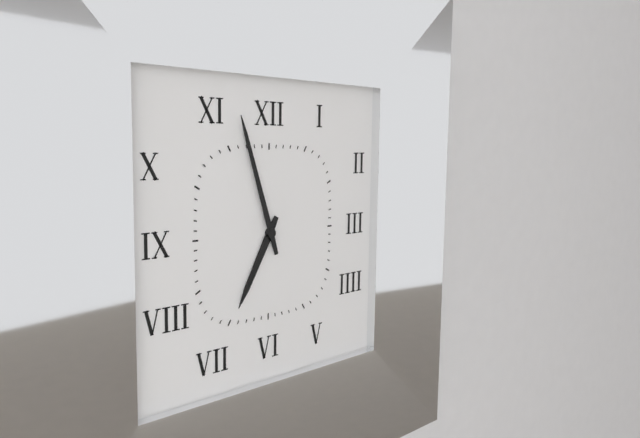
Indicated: 6 h 57 min
